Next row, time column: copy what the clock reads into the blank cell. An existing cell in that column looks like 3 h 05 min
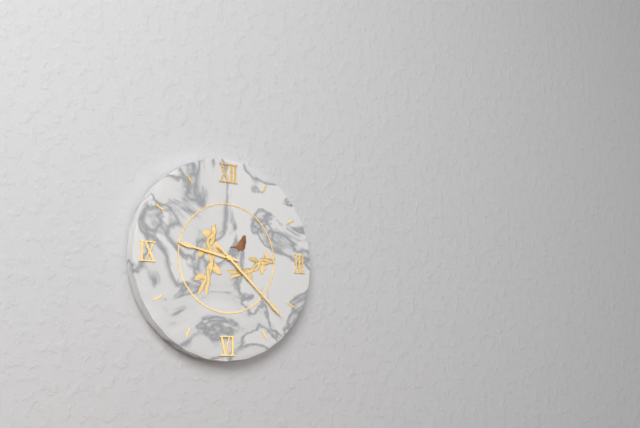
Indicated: 9 h 22 min
